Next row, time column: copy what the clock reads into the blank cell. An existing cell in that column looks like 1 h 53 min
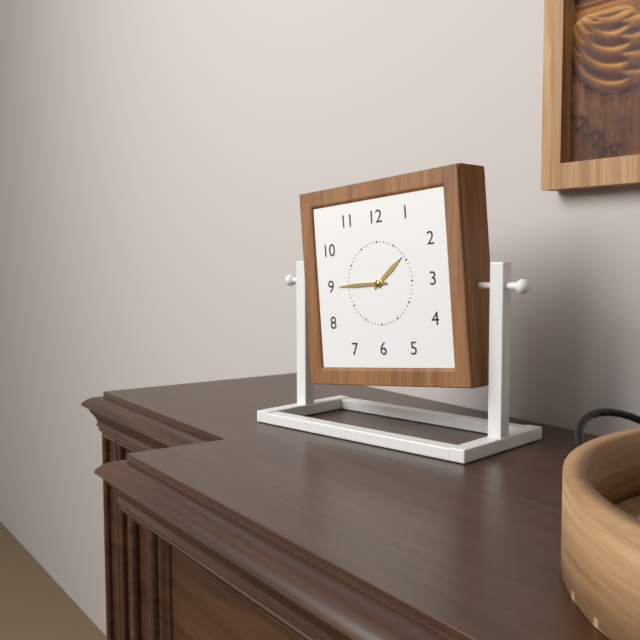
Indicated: 1 h 45 min
